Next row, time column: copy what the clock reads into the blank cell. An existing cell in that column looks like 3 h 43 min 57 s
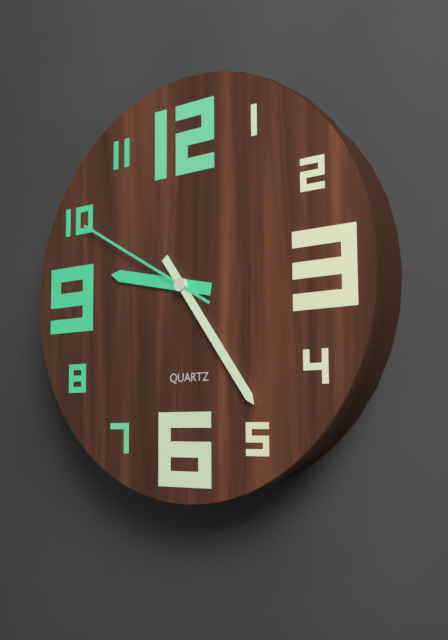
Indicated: 9 h 24 min 50 s
